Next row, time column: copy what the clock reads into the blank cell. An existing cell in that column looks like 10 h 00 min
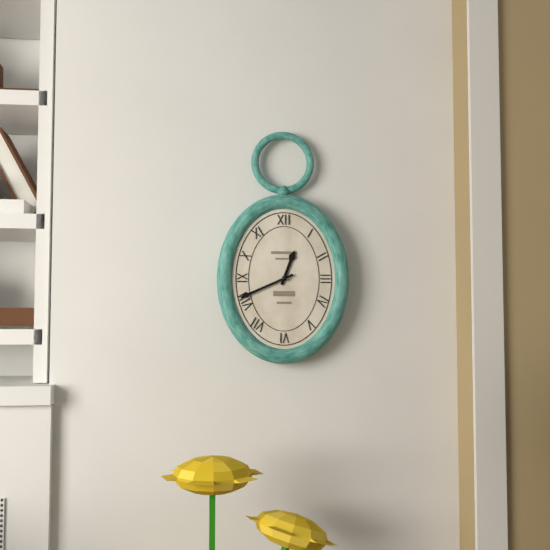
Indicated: 12 h 41 min
